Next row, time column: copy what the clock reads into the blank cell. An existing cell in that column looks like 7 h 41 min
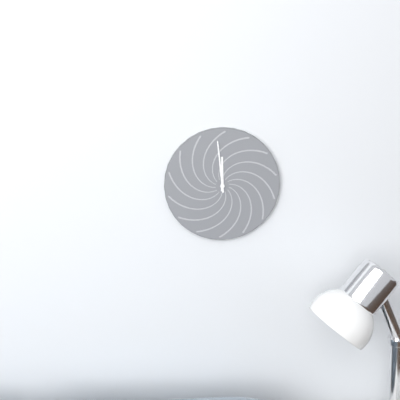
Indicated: 11 h 59 min
